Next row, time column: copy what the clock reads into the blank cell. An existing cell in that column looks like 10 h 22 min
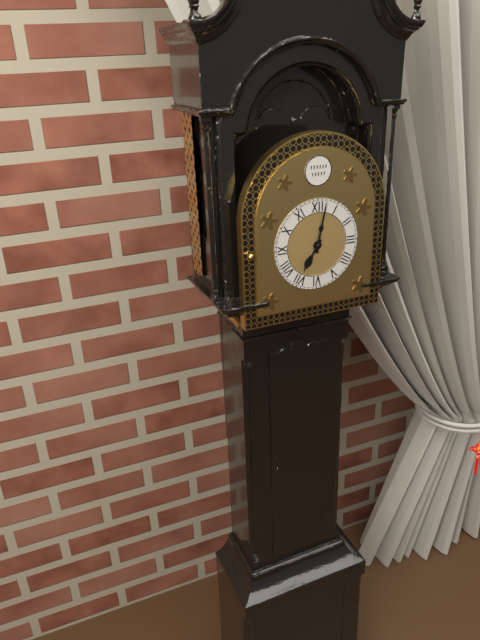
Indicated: 7 h 02 min
